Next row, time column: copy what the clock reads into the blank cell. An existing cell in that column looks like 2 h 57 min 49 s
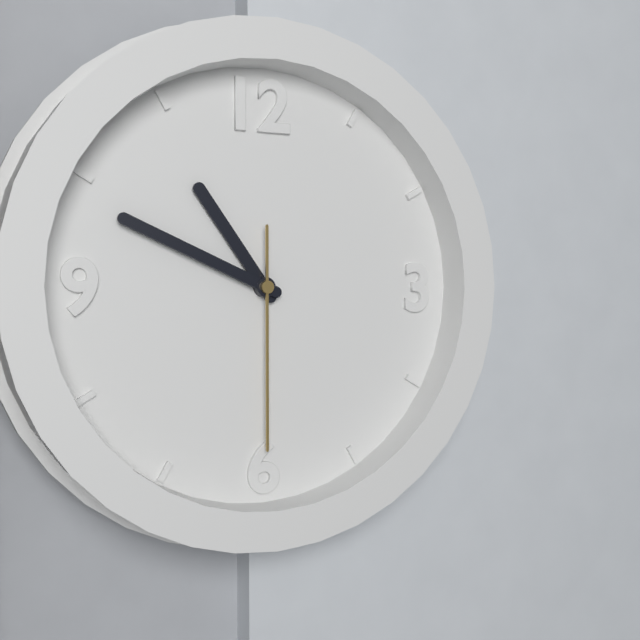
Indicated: 10 h 49 min 30 s
